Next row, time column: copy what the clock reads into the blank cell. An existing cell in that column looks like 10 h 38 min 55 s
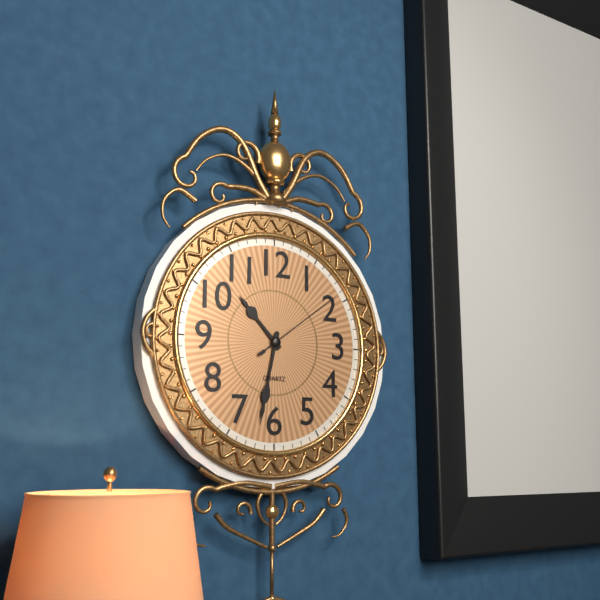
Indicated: 10 h 32 min 09 s
